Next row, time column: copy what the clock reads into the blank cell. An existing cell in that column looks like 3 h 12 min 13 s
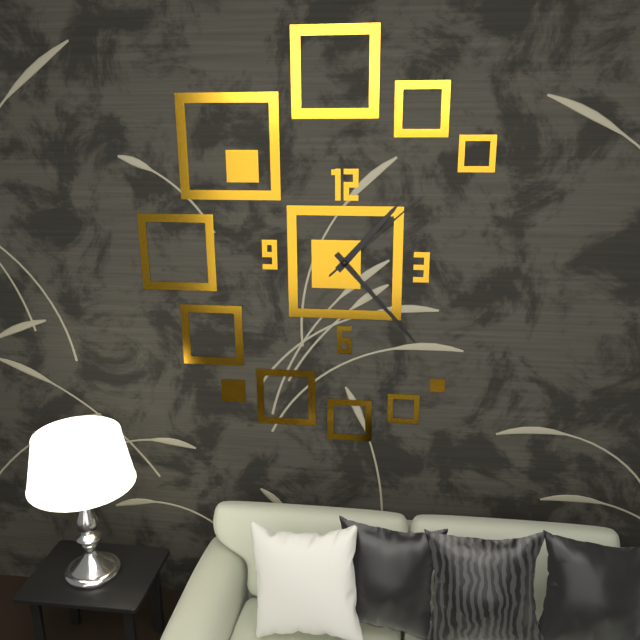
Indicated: 1 h 23 min 08 s
